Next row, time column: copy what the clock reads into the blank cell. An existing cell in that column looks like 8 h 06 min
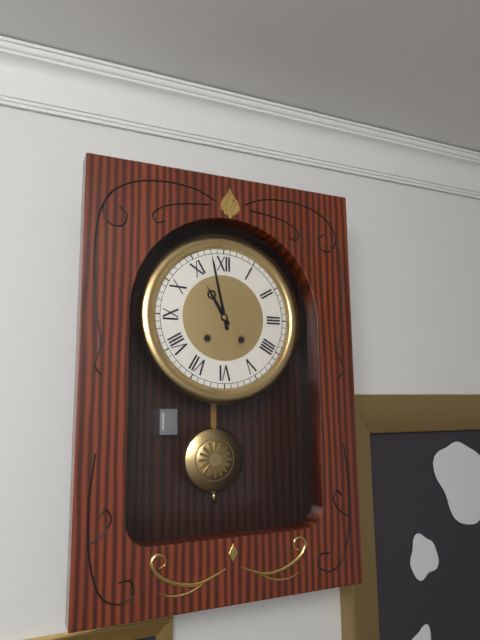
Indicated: 10 h 58 min
